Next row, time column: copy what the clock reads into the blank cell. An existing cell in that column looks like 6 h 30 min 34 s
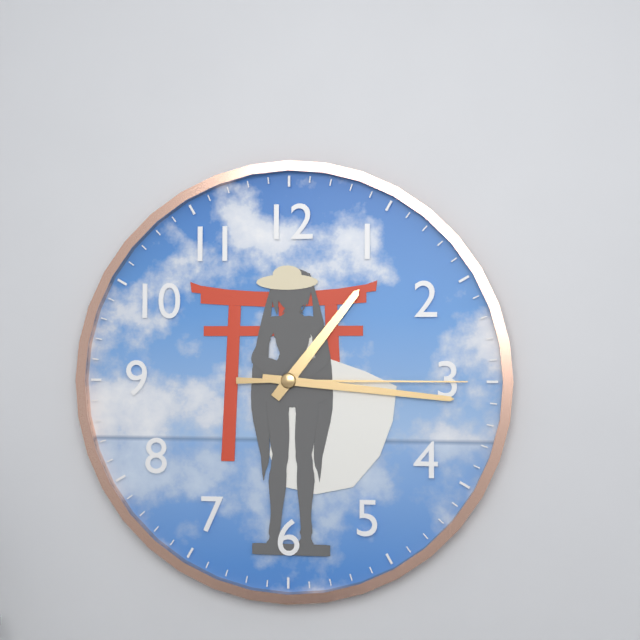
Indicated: 1 h 16 min 15 s
